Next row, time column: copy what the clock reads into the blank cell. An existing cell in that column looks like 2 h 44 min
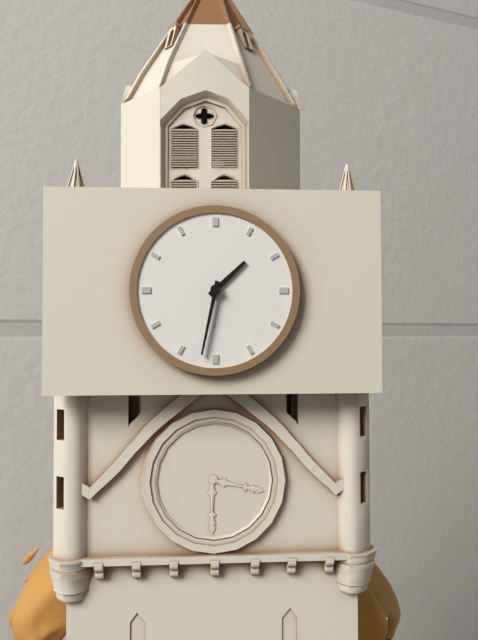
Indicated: 1 h 32 min
